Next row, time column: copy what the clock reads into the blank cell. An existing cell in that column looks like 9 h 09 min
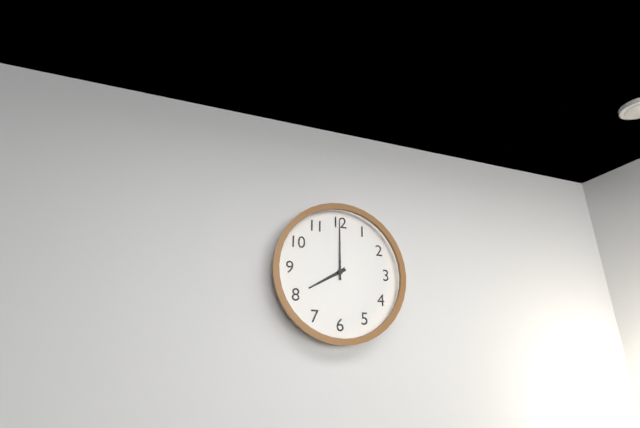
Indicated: 8 h 00 min
